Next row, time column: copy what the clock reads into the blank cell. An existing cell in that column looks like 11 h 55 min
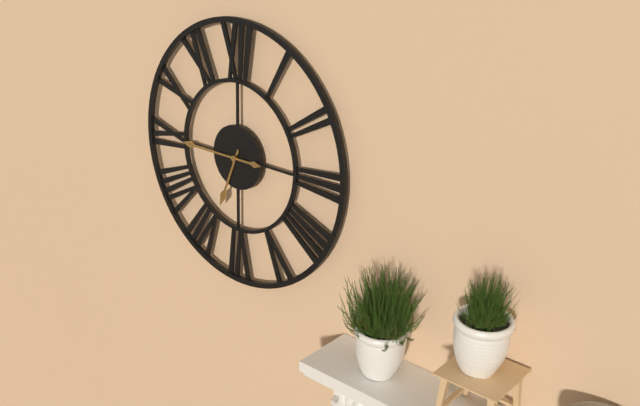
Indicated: 6 h 45 min
